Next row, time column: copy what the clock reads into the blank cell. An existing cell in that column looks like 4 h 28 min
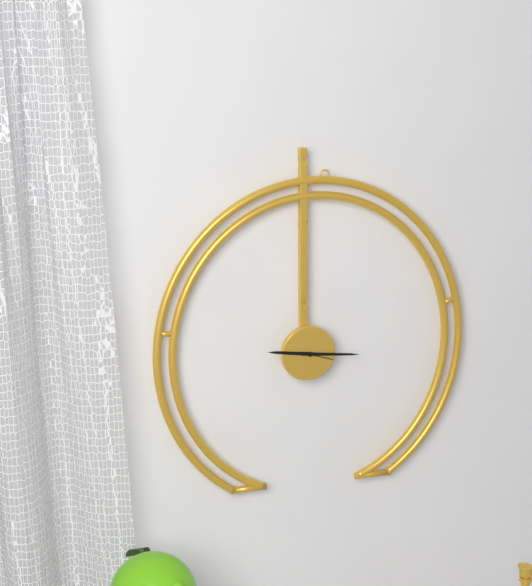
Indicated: 9 h 16 min
